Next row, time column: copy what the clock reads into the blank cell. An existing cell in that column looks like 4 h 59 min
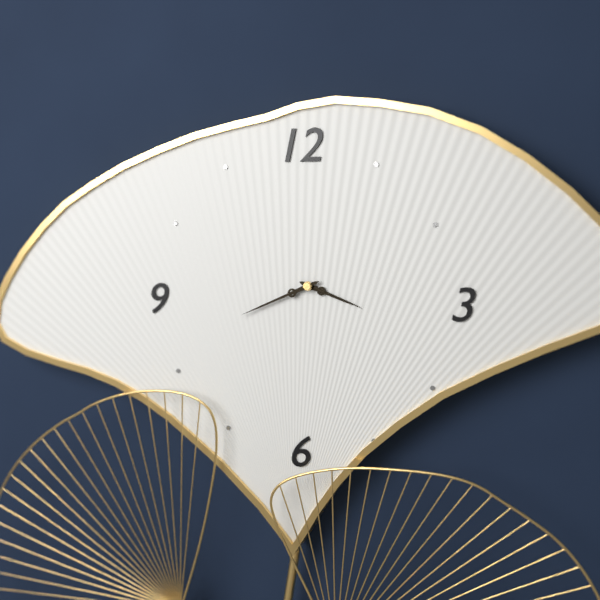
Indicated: 3 h 41 min
